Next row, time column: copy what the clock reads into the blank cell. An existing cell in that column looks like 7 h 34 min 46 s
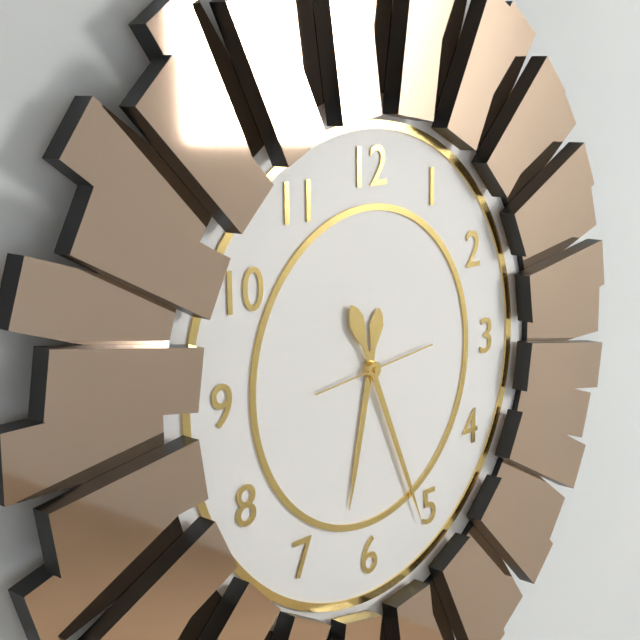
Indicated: 6 h 26 min 14 s
